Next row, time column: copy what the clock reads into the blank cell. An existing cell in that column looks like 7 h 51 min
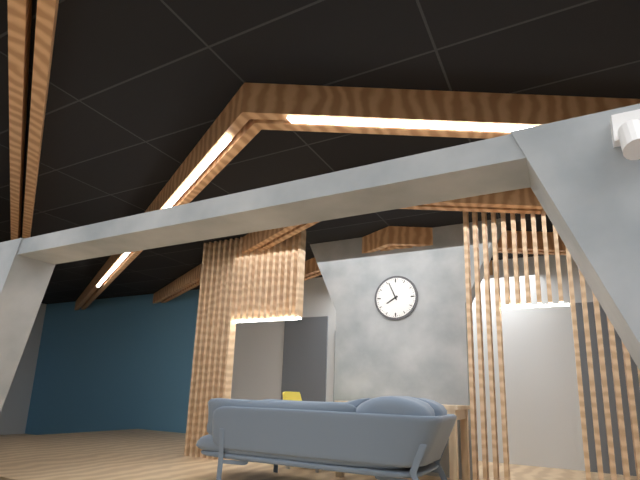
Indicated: 7 h 56 min
